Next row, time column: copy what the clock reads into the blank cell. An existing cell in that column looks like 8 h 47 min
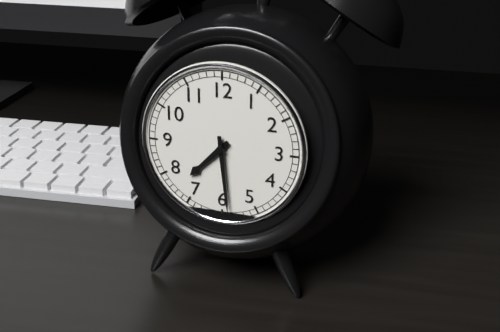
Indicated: 7 h 29 min
